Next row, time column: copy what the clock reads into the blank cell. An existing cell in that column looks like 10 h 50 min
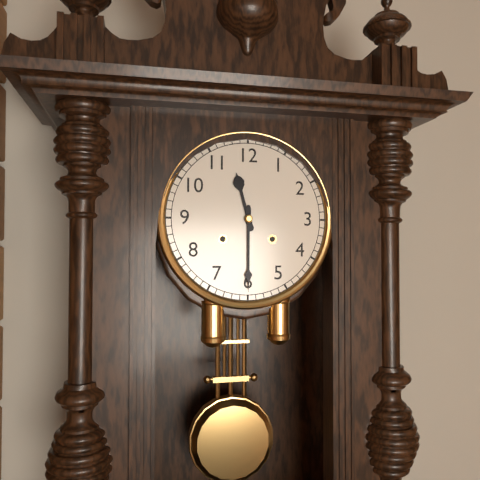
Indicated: 11 h 30 min
